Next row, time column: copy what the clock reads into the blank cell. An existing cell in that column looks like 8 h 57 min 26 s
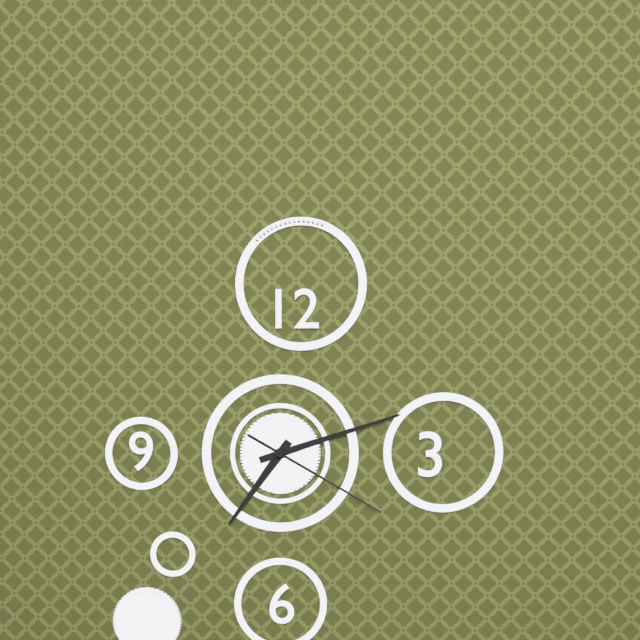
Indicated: 7 h 12 min 20 s
